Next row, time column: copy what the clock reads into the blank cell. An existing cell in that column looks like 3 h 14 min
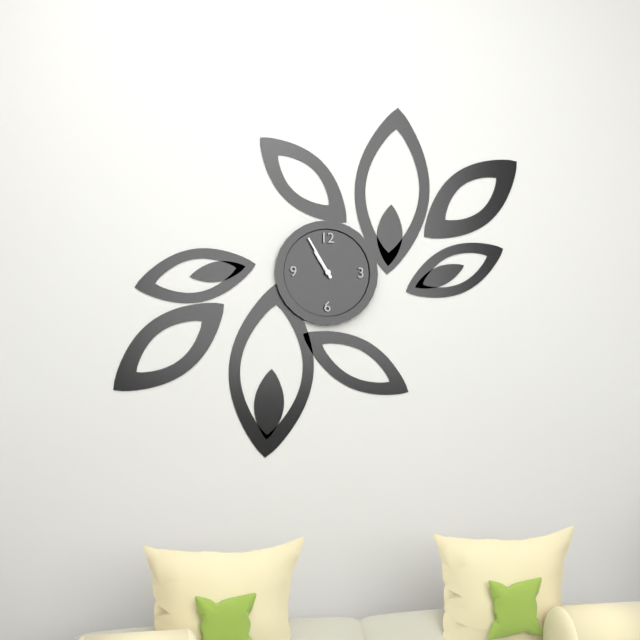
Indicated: 10 h 55 min
